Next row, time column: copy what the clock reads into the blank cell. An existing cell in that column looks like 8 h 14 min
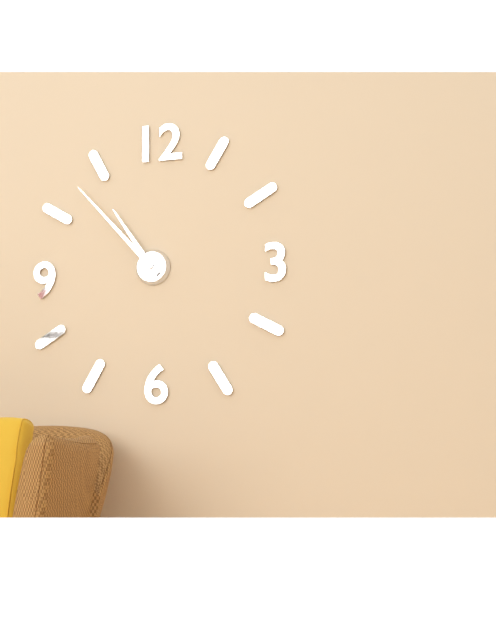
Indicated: 10 h 53 min
